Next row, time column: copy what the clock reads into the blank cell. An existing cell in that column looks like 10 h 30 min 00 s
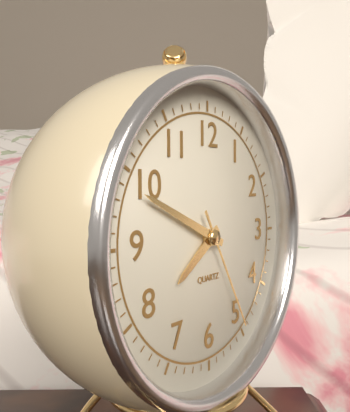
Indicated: 7 h 49 min 25 s
